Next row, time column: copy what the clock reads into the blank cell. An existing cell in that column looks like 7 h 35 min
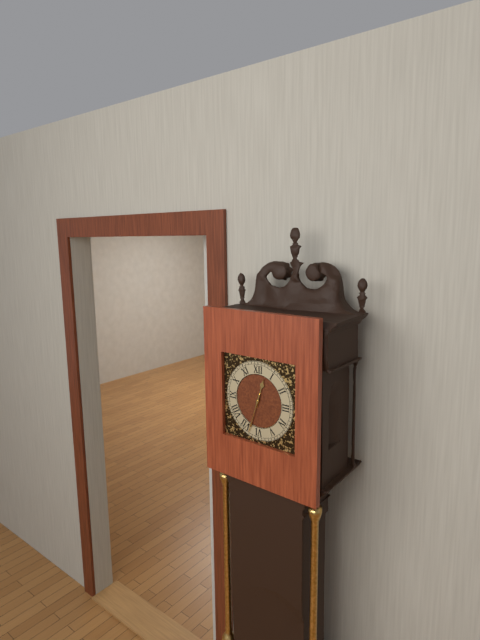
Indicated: 12 h 33 min
